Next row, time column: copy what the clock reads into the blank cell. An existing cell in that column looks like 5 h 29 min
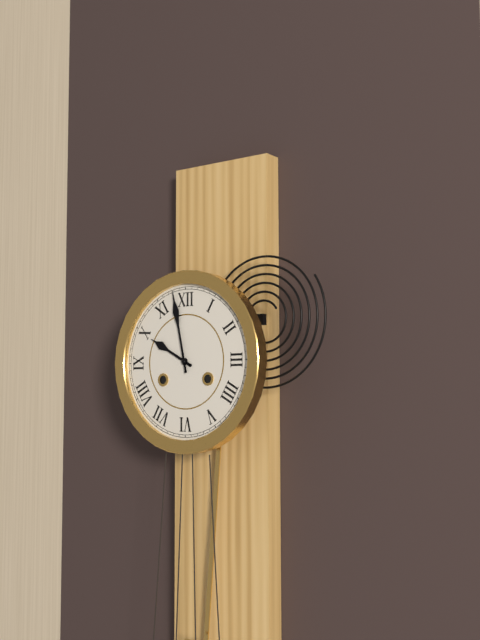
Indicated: 9 h 58 min
